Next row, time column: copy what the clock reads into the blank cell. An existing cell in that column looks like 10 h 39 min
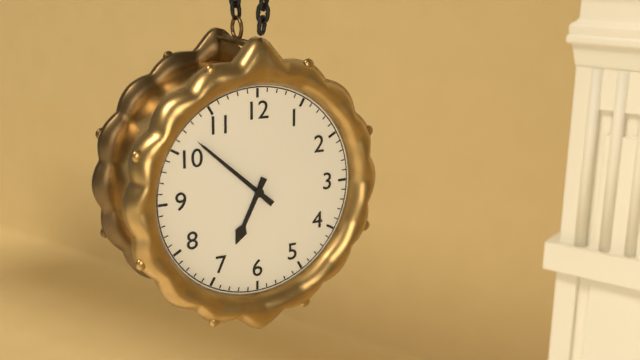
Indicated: 6 h 52 min
